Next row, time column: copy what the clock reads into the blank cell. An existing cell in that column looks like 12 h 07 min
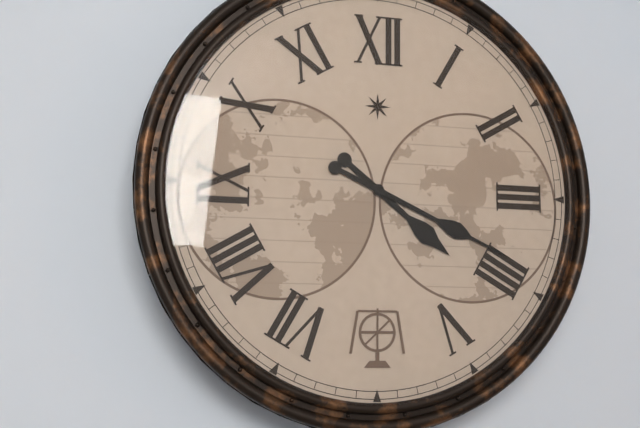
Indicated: 4 h 19 min
